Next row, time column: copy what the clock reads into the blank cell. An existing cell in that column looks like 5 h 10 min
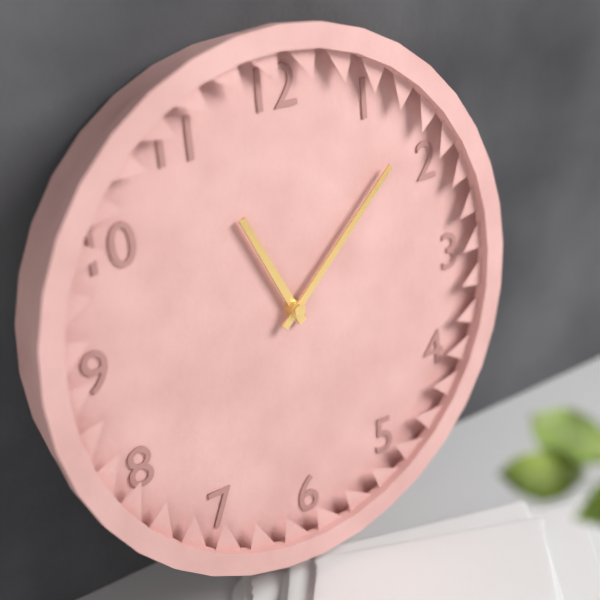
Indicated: 11 h 08 min
